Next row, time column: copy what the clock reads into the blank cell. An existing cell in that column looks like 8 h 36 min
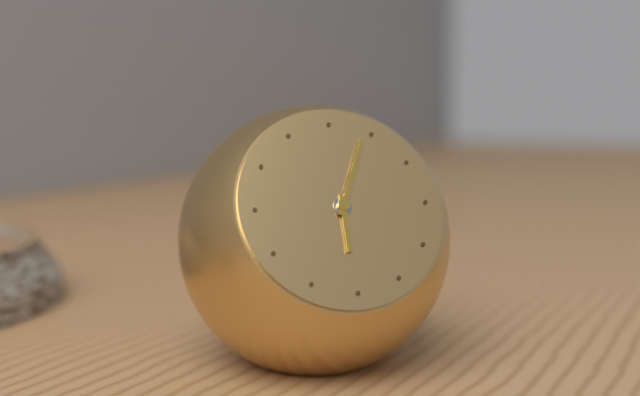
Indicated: 6 h 04 min
